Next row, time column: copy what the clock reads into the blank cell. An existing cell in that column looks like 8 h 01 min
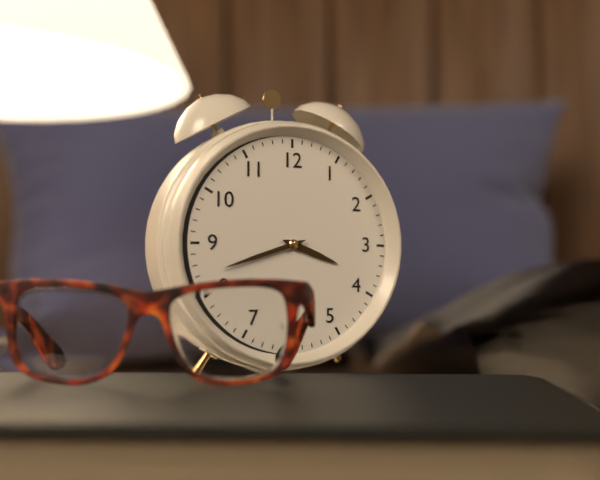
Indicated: 3 h 42 min
